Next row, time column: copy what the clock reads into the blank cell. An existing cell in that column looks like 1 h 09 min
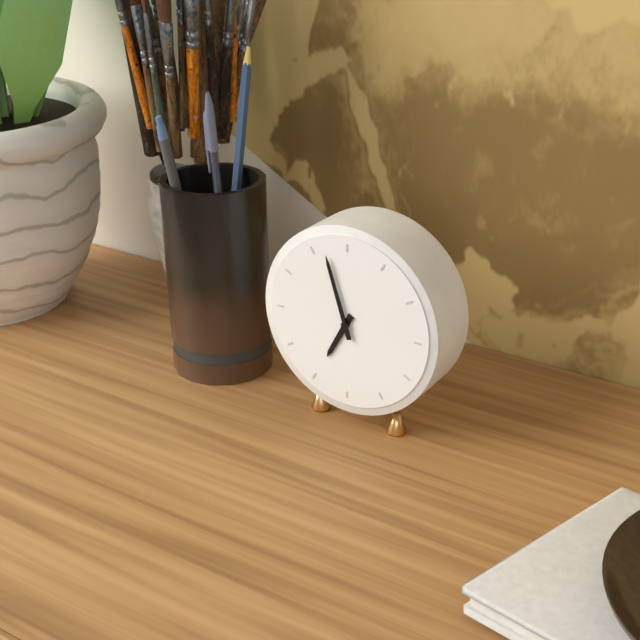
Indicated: 6 h 57 min
